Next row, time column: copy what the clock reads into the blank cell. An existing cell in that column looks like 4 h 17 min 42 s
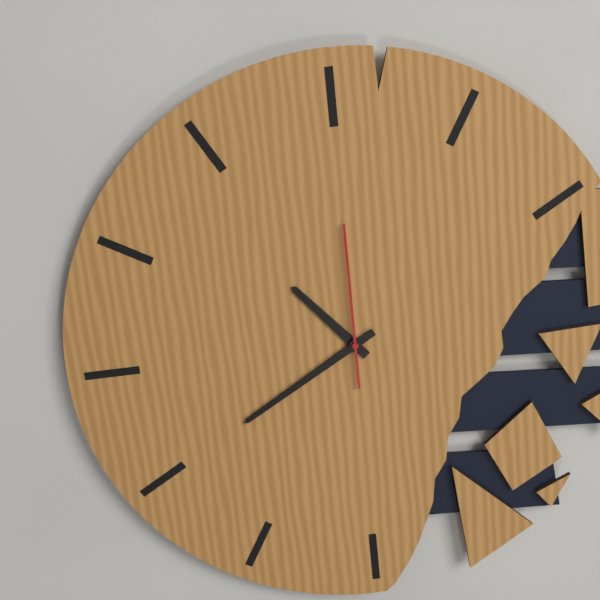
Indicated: 10 h 40 min 00 s
